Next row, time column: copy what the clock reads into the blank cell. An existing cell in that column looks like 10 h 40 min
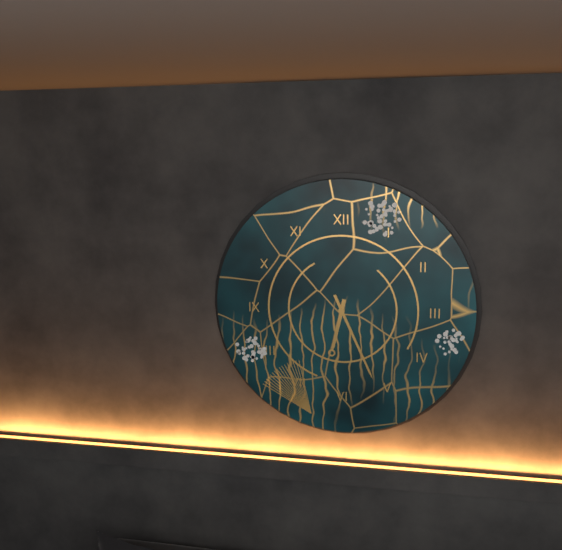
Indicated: 6 h 26 min
